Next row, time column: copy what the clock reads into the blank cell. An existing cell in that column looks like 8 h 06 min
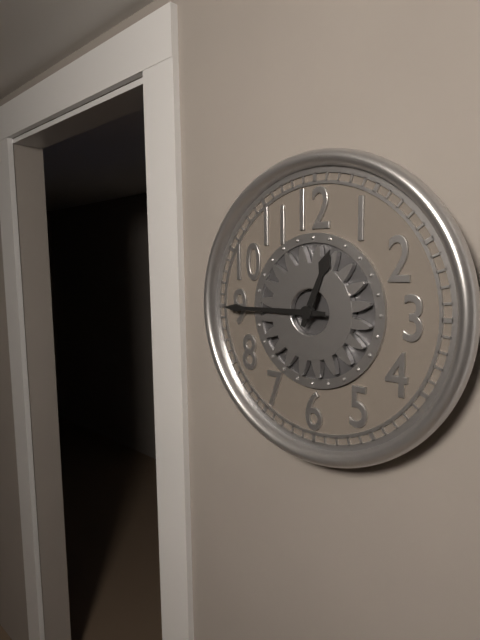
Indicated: 12 h 45 min
